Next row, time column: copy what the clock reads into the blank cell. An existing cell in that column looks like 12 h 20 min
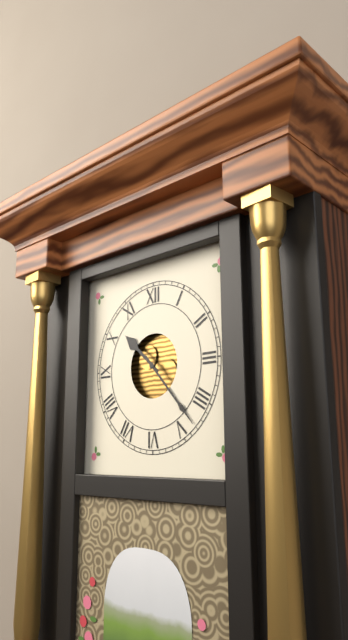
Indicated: 10 h 23 min
